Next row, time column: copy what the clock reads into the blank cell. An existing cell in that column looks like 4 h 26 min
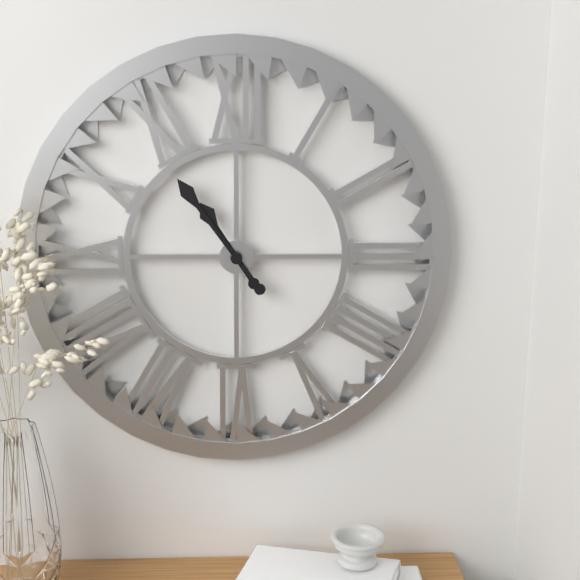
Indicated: 10 h 54 min
